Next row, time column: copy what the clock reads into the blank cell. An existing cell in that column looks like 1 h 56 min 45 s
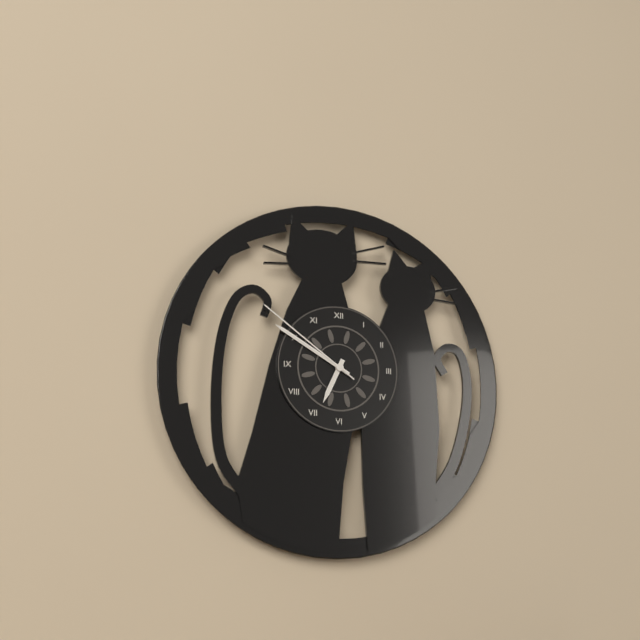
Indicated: 6 h 50 min 51 s
